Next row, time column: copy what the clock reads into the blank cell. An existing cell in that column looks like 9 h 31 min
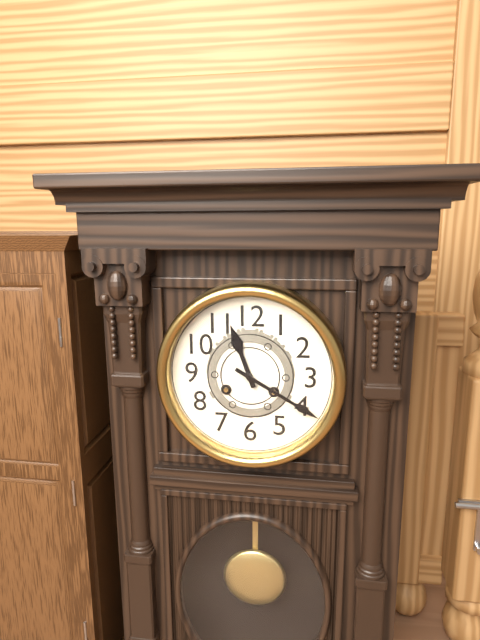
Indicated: 11 h 20 min
